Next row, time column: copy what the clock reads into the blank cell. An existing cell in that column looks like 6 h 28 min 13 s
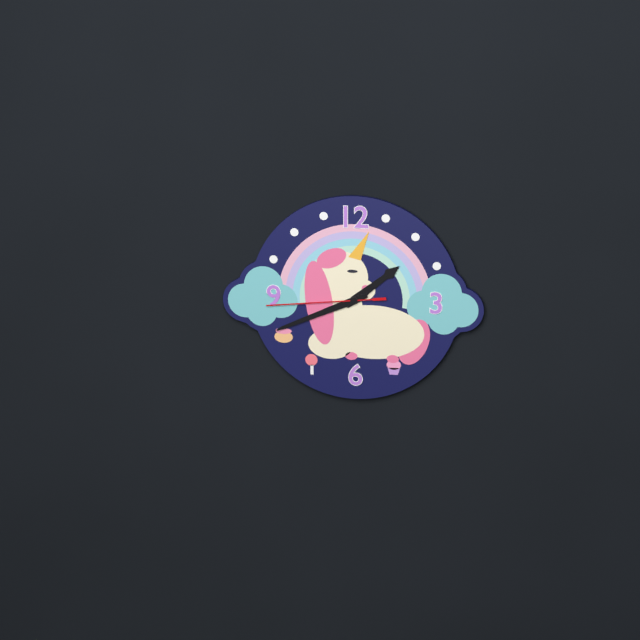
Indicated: 1 h 41 min 44 s
